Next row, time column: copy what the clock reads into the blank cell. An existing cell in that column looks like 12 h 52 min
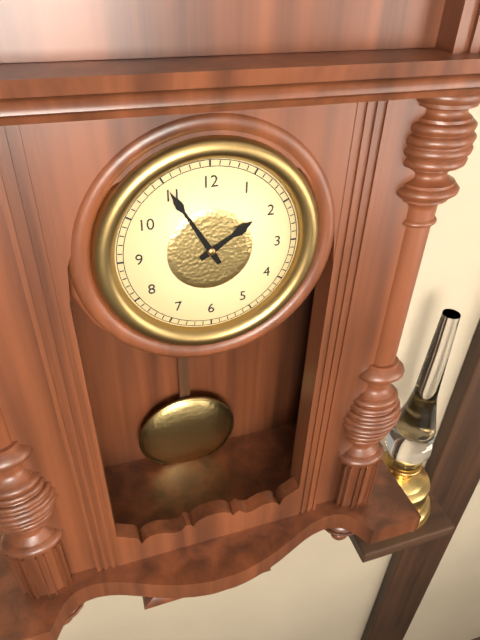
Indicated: 1 h 55 min
